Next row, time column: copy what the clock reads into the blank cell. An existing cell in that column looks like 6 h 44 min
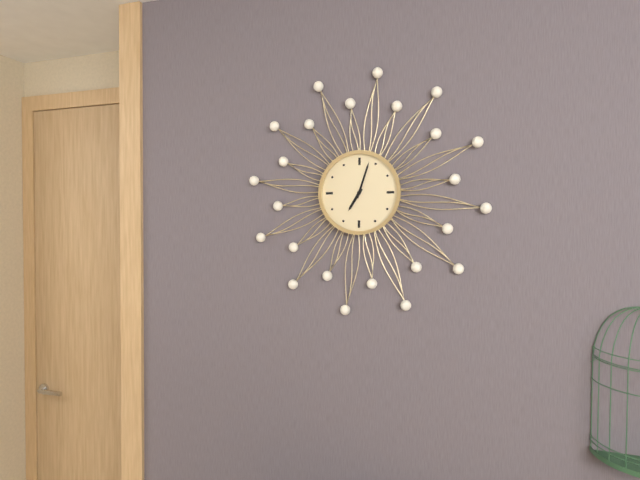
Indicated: 7 h 03 min
